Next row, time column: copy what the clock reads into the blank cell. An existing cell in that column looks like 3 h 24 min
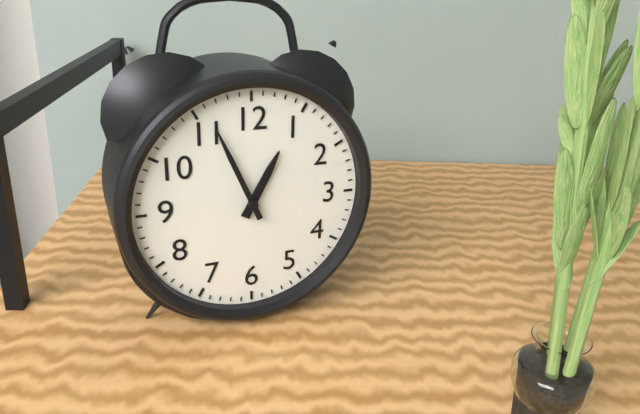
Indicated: 12 h 56 min
